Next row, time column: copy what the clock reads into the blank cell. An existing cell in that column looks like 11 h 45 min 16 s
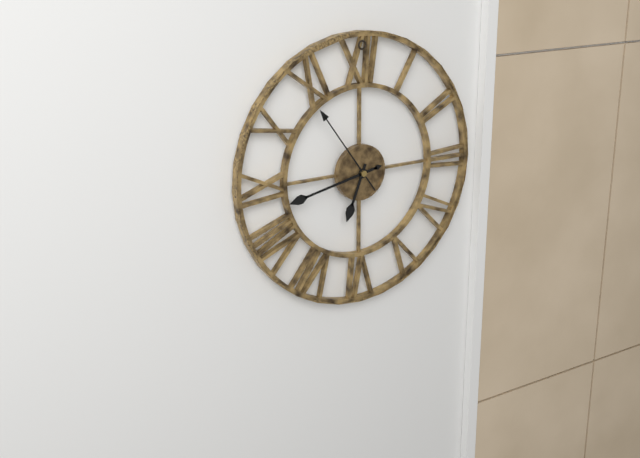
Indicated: 6 h 43 min 54 s
